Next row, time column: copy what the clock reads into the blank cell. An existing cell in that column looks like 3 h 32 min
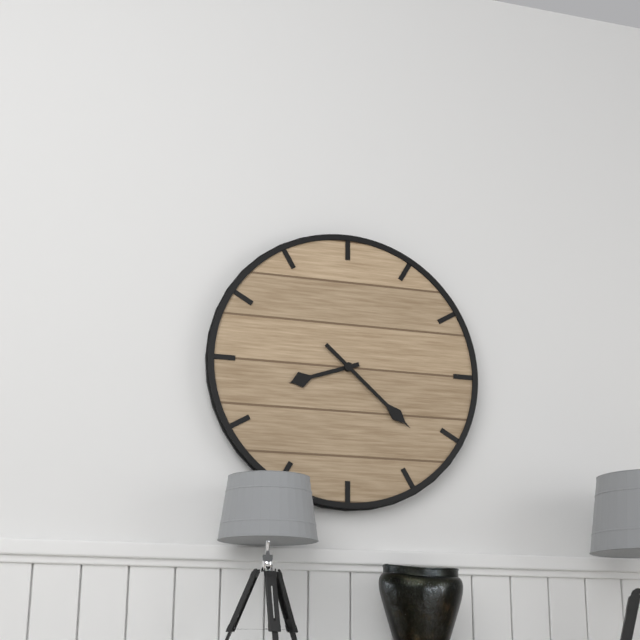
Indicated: 8 h 22 min
